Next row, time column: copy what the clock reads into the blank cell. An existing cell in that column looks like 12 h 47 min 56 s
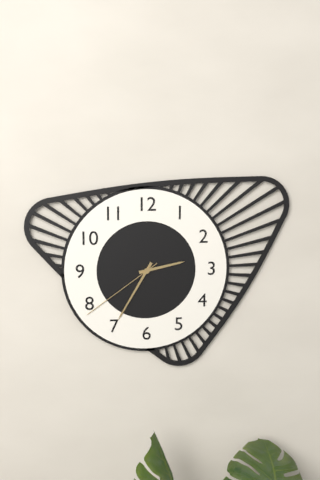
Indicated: 2 h 35 min 39 s
